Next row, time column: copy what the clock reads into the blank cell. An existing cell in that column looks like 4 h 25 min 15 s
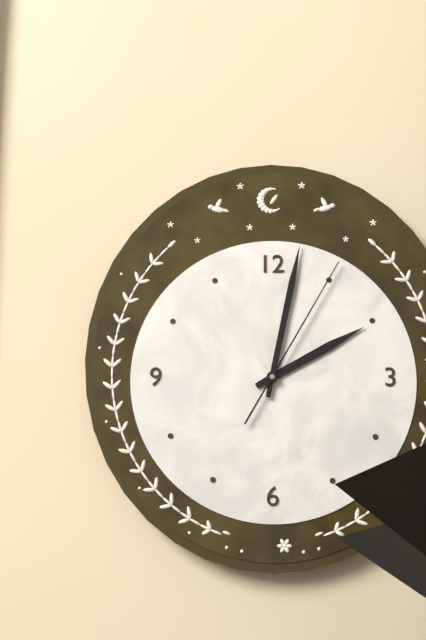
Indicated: 2 h 02 min 05 s
